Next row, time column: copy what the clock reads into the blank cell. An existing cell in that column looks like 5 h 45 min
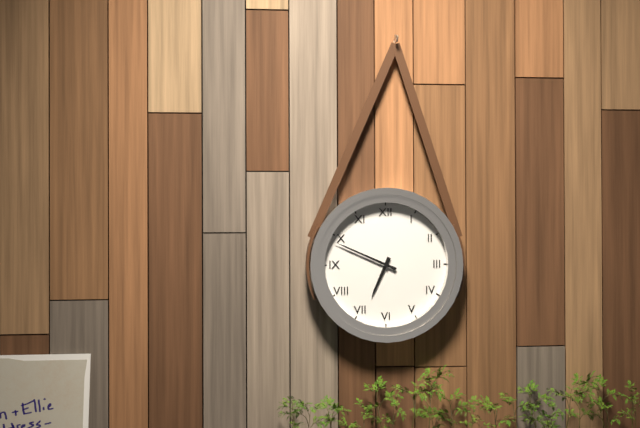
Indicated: 6 h 49 min
